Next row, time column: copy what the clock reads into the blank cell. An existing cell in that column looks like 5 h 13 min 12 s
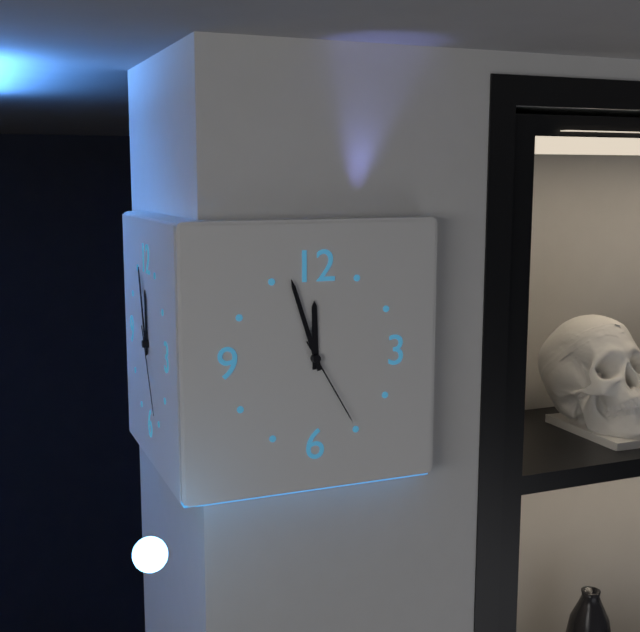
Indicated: 11 h 57 min 25 s
